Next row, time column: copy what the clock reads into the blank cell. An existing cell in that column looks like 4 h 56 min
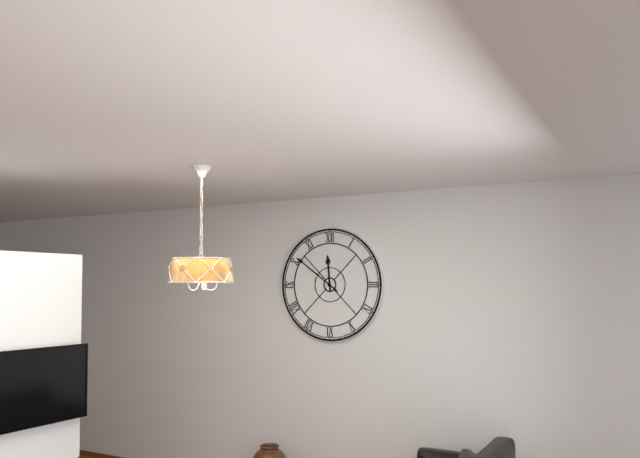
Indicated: 11 h 51 min
